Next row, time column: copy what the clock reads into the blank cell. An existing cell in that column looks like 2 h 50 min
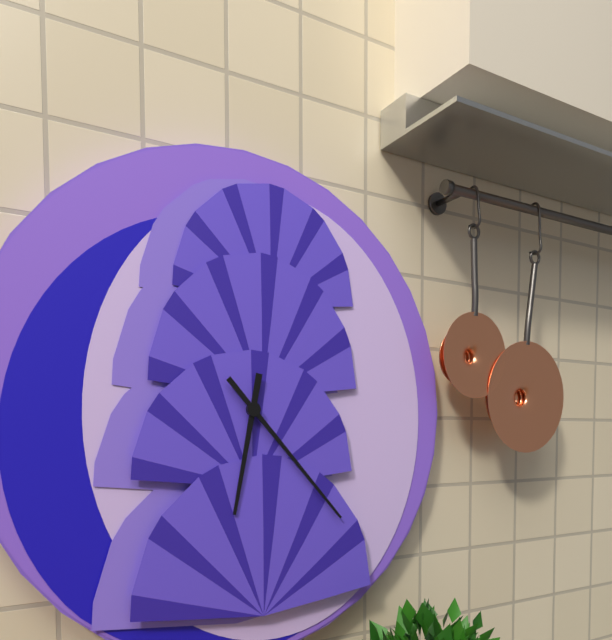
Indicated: 6 h 23 min
